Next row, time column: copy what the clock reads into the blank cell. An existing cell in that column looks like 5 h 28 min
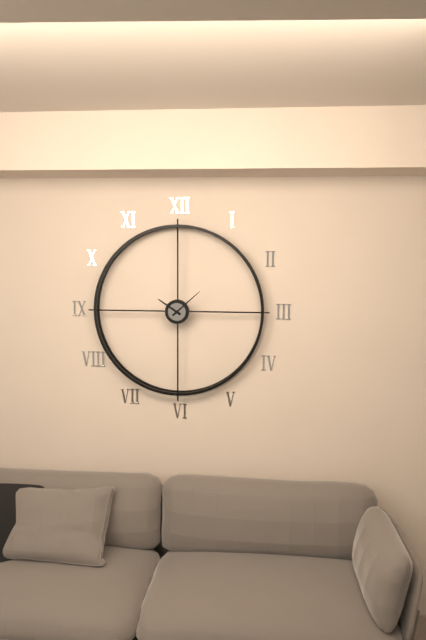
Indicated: 10 h 08 min
